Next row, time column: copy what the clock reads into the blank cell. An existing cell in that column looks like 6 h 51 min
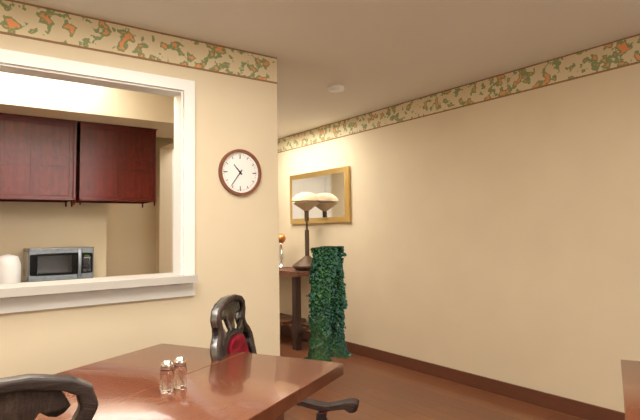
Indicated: 10 h 36 min
